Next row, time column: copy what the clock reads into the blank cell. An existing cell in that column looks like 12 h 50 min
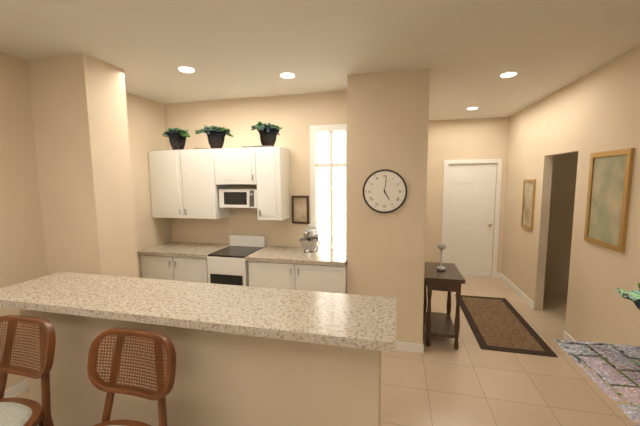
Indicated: 5 h 01 min
